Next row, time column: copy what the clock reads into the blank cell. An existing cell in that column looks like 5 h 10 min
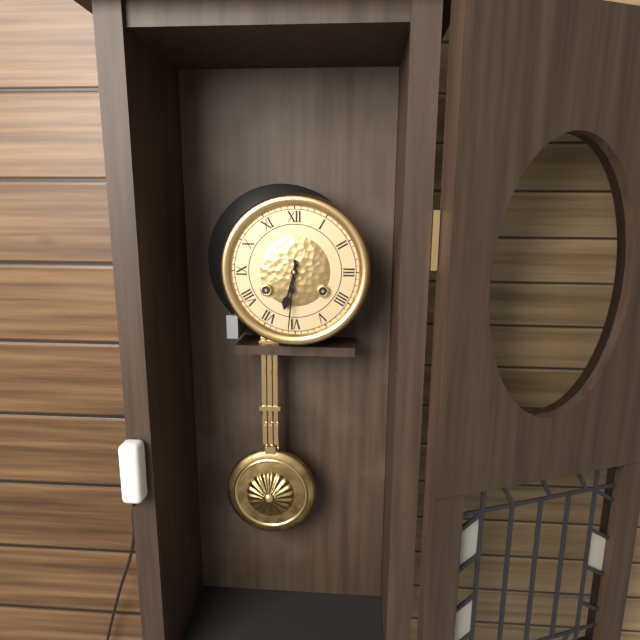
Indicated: 6 h 31 min
